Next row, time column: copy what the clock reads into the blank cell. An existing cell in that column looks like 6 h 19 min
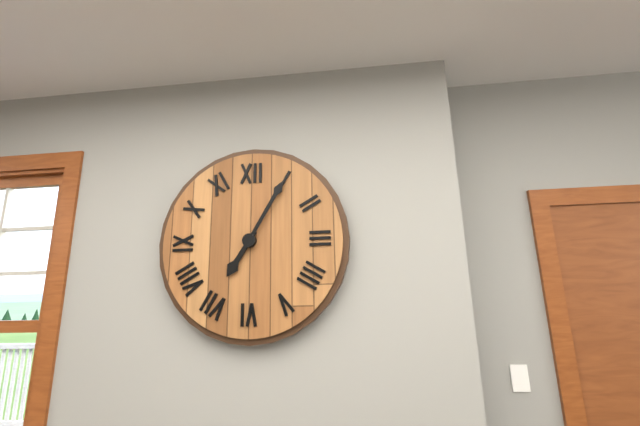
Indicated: 7 h 05 min
